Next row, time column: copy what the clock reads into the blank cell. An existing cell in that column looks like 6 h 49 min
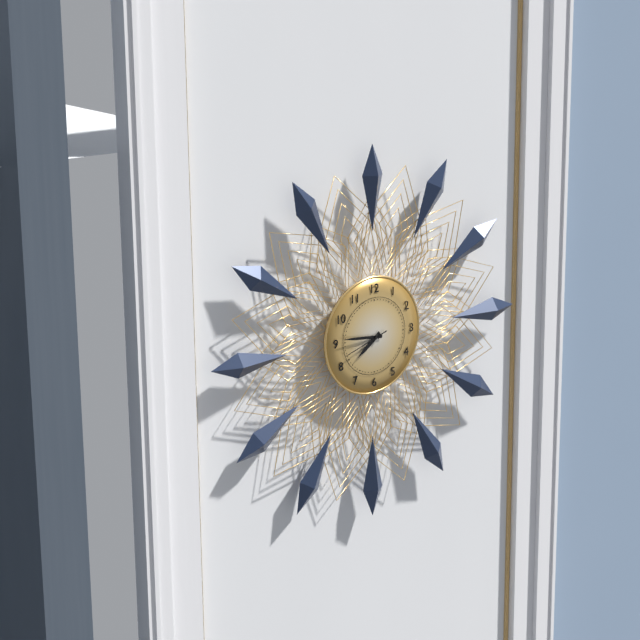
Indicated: 7 h 46 min
